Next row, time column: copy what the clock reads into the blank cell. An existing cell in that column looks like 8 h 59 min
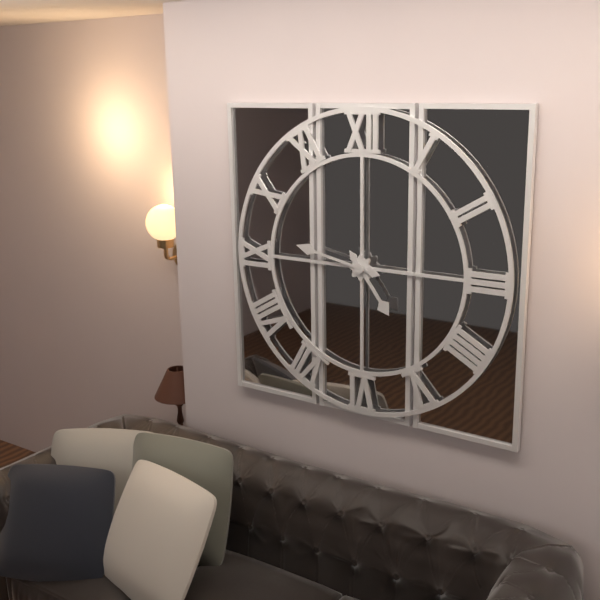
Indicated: 4 h 47 min
